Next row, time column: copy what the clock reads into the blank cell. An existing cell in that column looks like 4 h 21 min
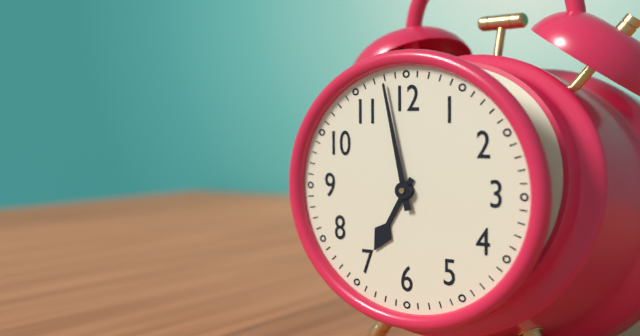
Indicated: 6 h 58 min
